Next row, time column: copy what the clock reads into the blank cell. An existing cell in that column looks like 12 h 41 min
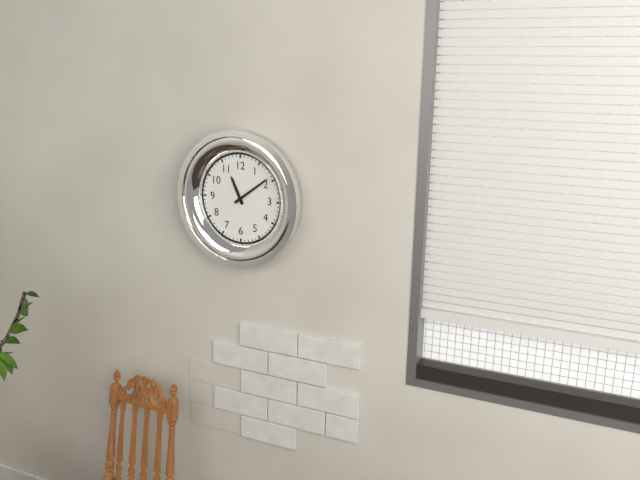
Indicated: 11 h 09 min
